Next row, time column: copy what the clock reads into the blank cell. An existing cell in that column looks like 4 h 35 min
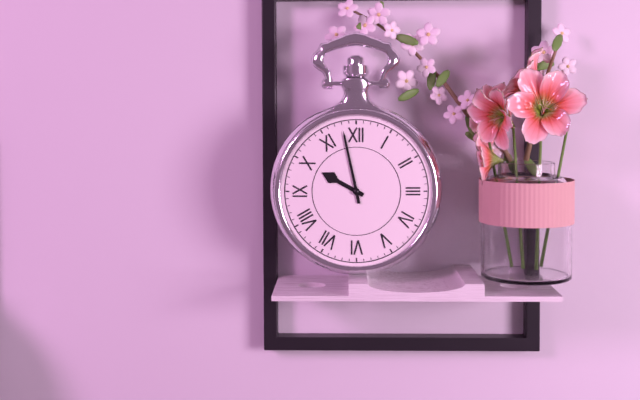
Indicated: 9 h 58 min
